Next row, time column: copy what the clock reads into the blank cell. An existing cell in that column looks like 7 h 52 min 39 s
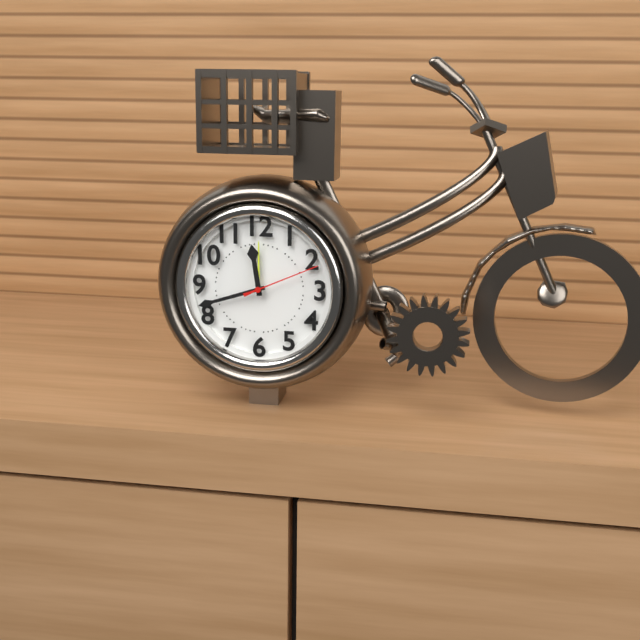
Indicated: 11 h 42 min 11 s
